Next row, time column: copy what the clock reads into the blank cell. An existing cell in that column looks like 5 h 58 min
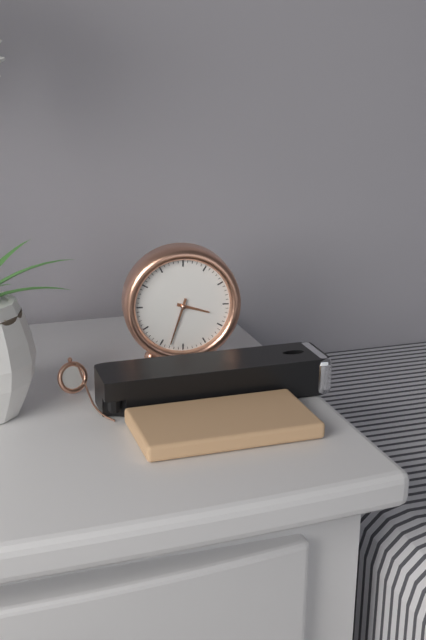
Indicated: 3 h 33 min
